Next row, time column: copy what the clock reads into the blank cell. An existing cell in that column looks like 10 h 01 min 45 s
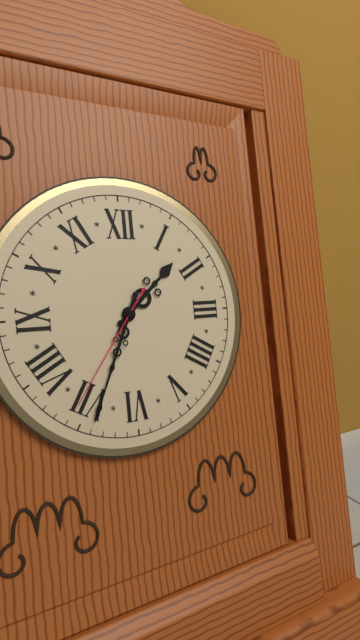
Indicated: 1 h 34 min 36 s
